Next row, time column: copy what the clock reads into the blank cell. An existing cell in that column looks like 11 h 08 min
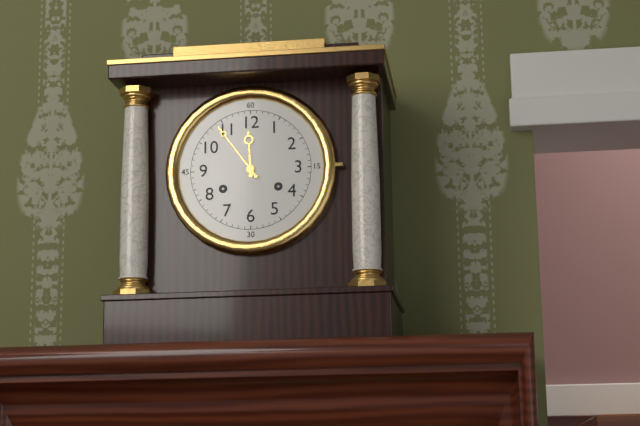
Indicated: 11 h 54 min
